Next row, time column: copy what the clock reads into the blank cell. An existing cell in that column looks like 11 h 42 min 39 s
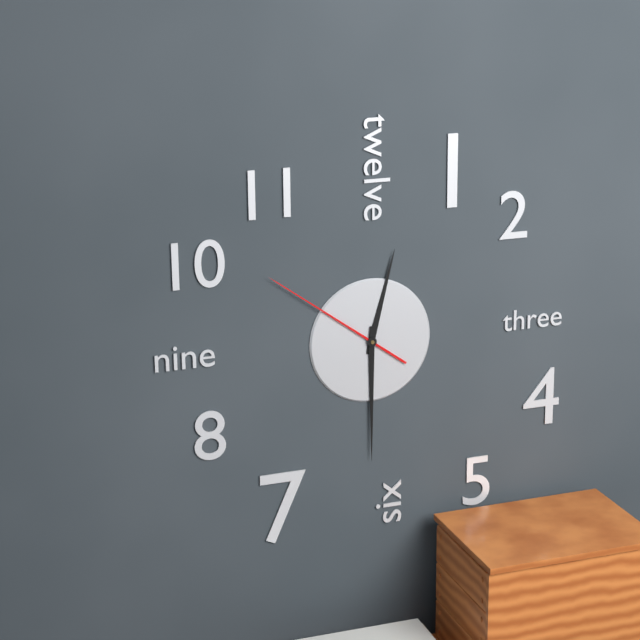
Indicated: 12 h 30 min 51 s
